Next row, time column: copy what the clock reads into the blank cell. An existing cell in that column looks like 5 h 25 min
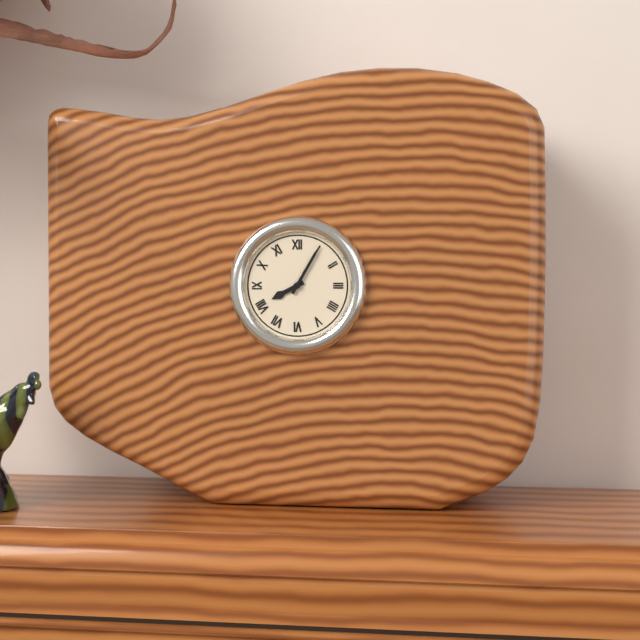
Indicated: 8 h 05 min
